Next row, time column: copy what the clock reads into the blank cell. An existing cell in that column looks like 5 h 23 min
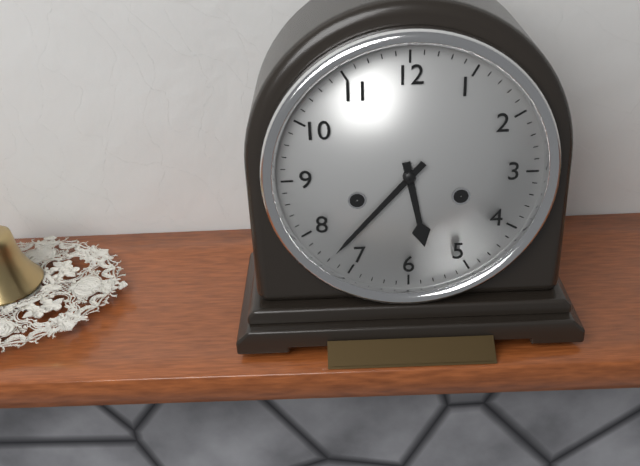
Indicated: 5 h 37 min
